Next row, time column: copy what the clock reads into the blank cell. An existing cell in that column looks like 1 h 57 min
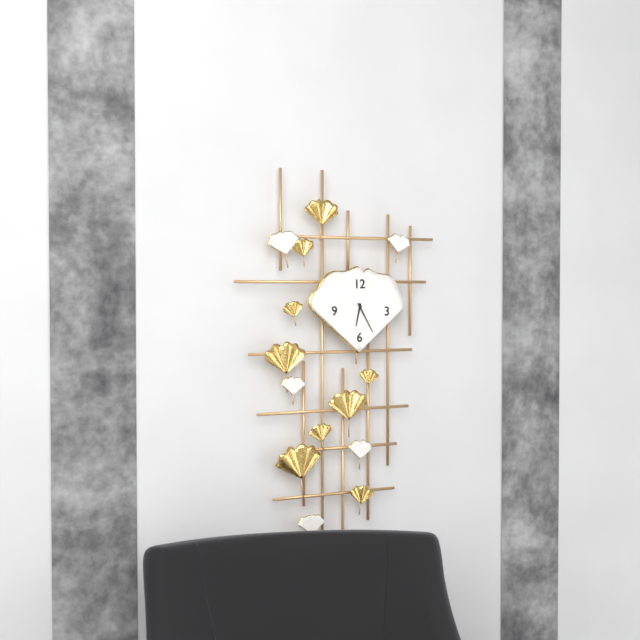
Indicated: 6 h 25 min
